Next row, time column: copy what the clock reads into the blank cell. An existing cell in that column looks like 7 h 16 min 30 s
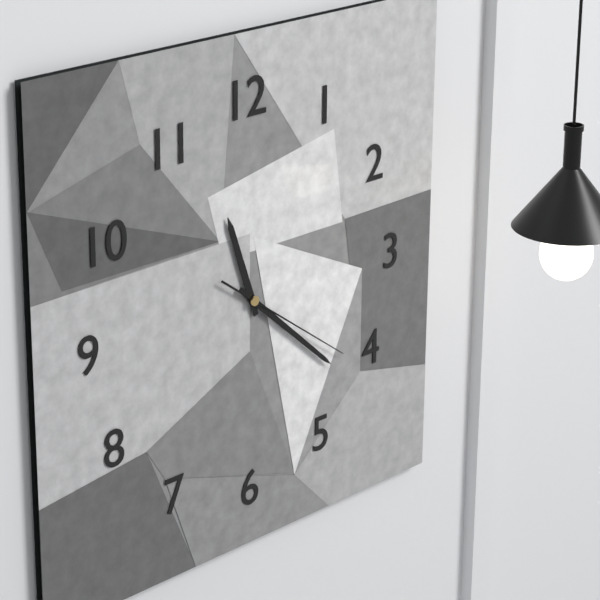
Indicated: 11 h 22 min 21 s
